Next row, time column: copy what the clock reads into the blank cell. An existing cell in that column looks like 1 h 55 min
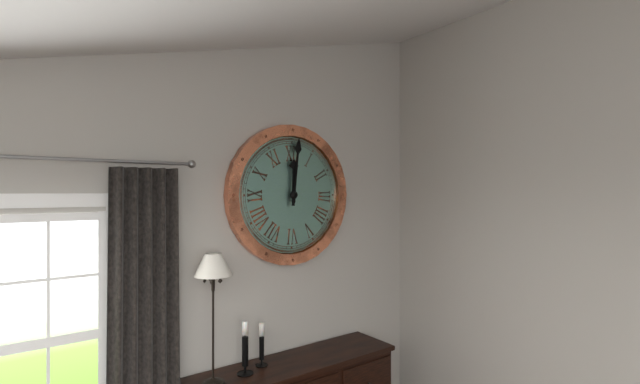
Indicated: 12 h 01 min
